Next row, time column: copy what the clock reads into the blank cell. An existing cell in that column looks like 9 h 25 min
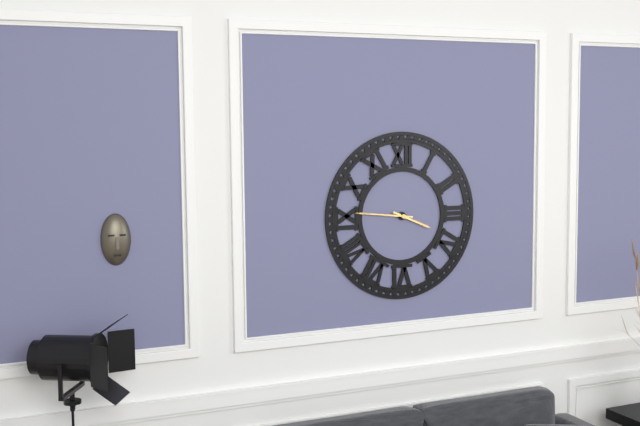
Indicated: 3 h 46 min
